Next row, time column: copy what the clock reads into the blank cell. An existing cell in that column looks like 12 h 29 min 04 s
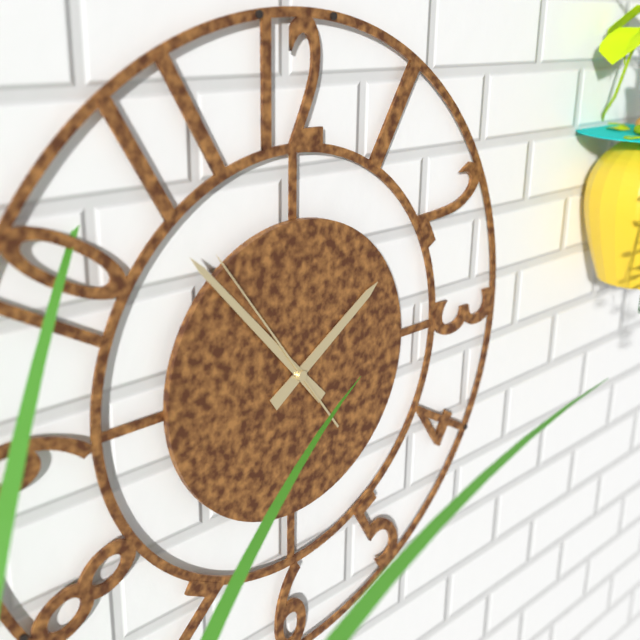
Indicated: 1 h 53 min 54 s
